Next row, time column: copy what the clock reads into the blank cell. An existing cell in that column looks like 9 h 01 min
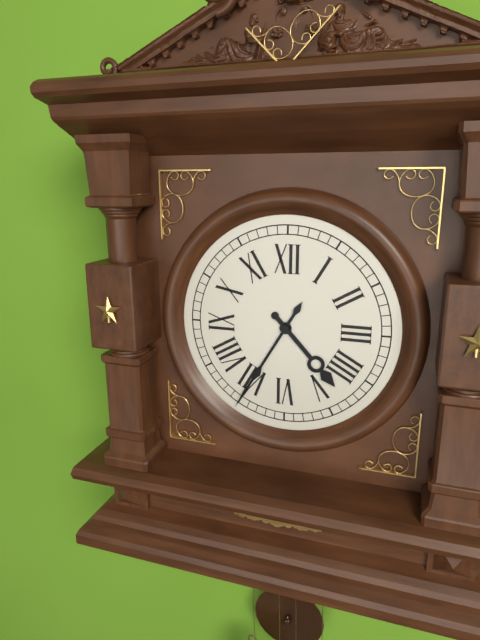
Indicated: 4 h 35 min
